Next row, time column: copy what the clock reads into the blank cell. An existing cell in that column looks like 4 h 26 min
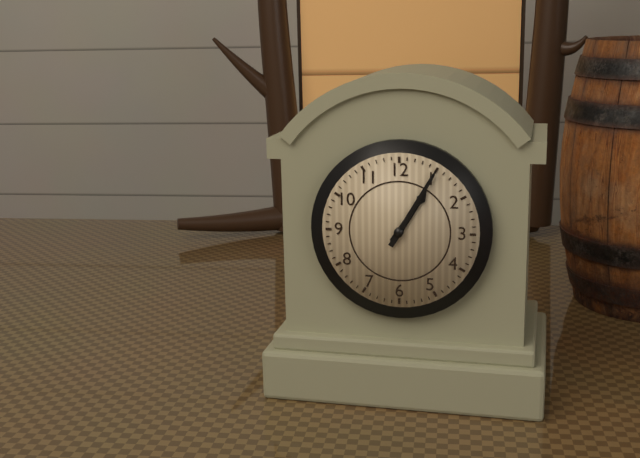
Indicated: 1 h 05 min
